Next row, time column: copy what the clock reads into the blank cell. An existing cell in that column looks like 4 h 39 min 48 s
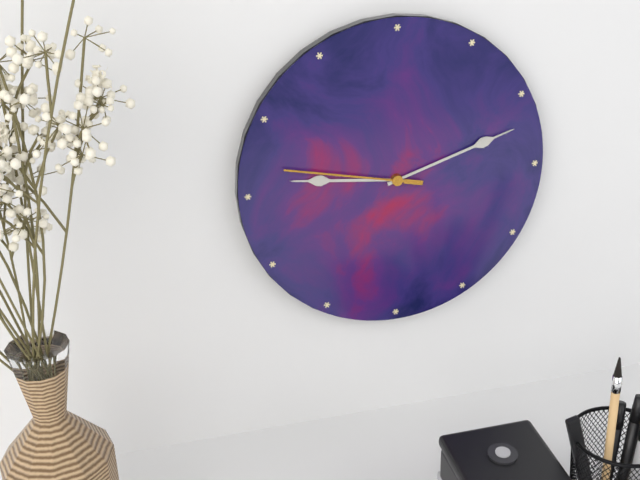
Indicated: 9 h 12 min 47 s
